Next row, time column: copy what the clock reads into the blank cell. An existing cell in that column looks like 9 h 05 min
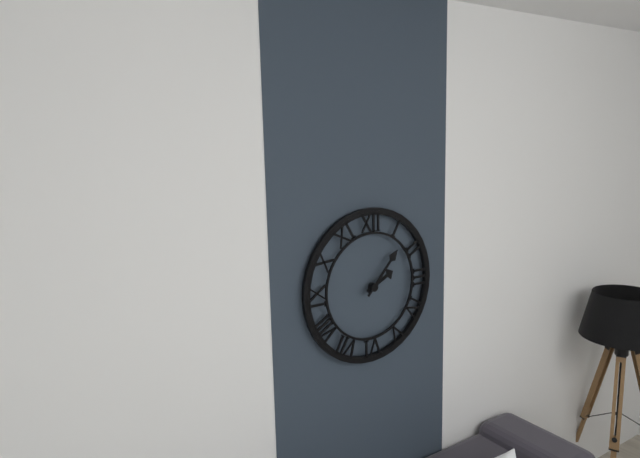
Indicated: 2 h 07 min
